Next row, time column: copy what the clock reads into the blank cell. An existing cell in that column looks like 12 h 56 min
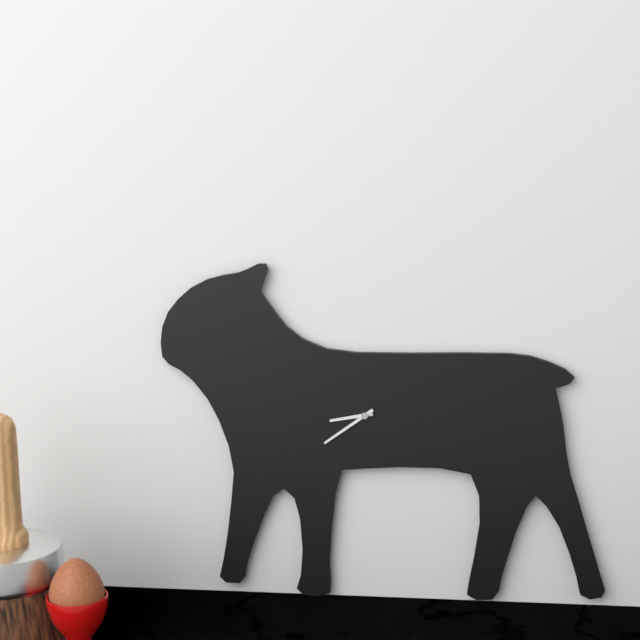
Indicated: 8 h 39 min
